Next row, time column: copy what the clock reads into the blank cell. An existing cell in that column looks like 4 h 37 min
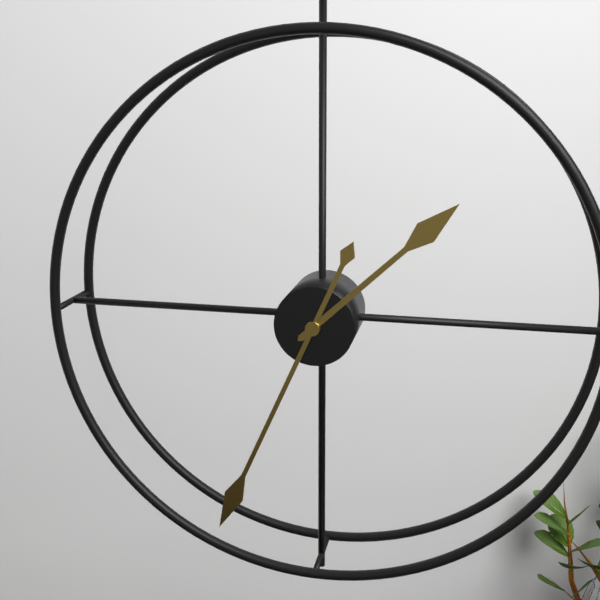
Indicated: 1 h 34 min
